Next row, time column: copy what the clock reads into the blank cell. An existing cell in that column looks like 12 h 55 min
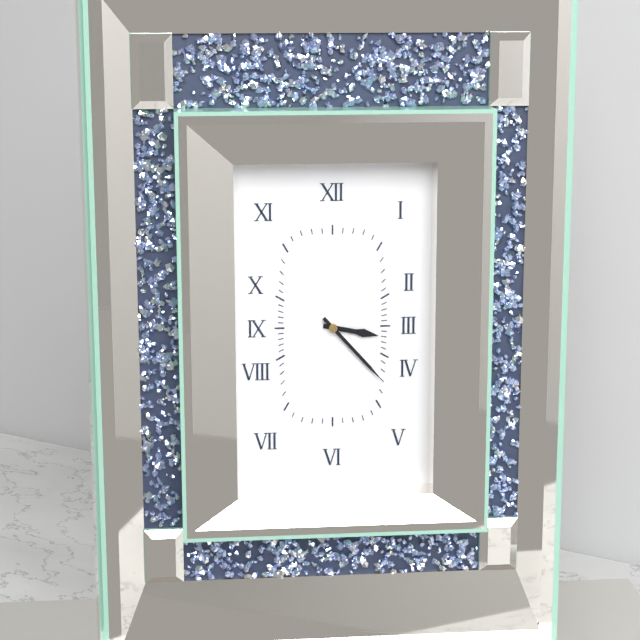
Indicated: 3 h 23 min
